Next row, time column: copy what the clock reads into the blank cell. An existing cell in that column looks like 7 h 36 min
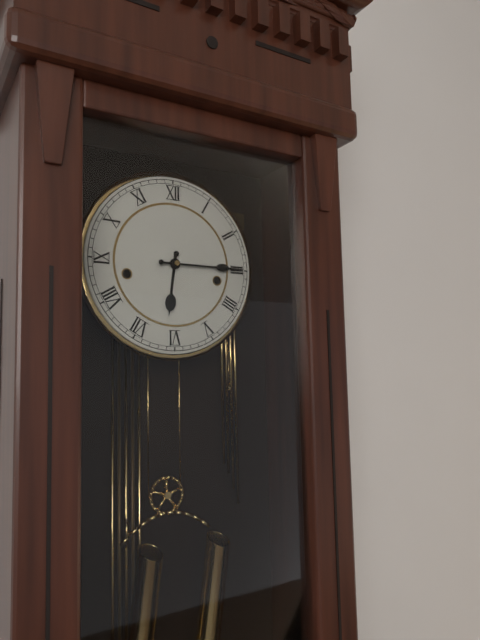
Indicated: 6 h 15 min
